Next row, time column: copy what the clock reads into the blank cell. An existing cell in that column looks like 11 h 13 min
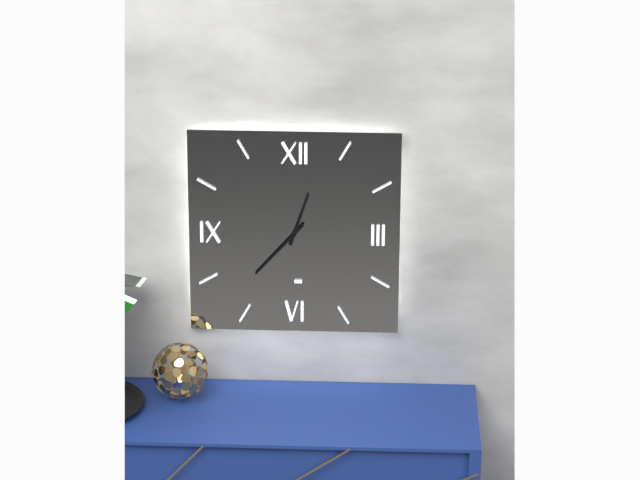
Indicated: 12 h 37 min
